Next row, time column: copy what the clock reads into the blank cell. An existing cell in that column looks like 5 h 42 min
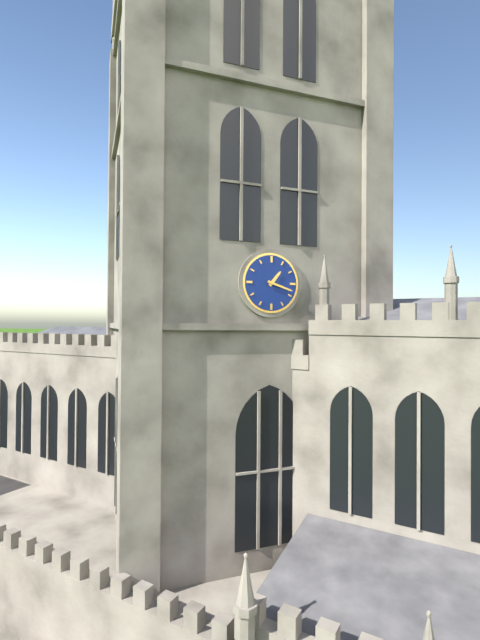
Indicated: 1 h 18 min
